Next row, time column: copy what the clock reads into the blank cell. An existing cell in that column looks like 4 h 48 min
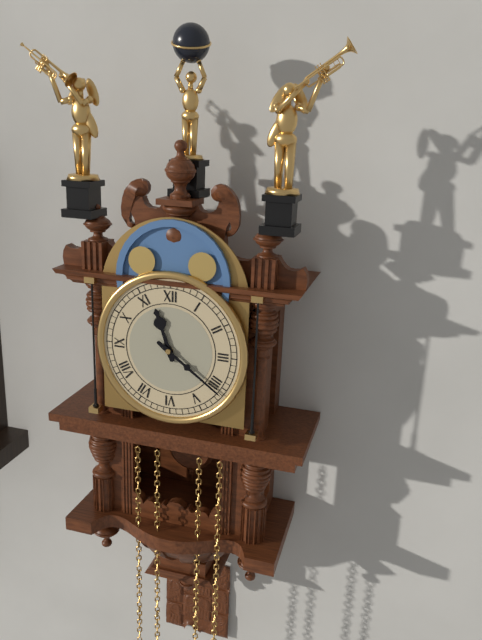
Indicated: 11 h 21 min
